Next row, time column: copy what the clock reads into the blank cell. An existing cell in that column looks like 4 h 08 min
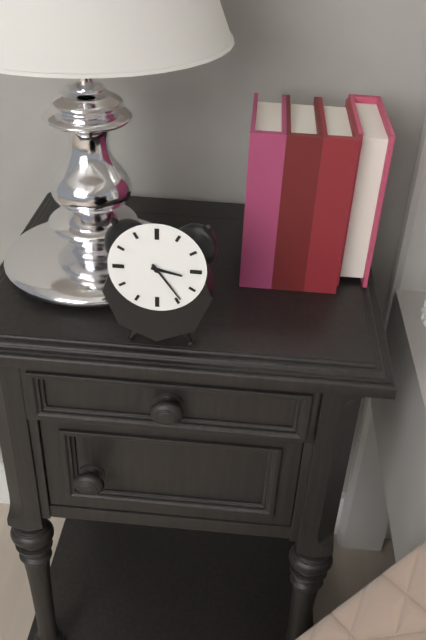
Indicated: 3 h 24 min
